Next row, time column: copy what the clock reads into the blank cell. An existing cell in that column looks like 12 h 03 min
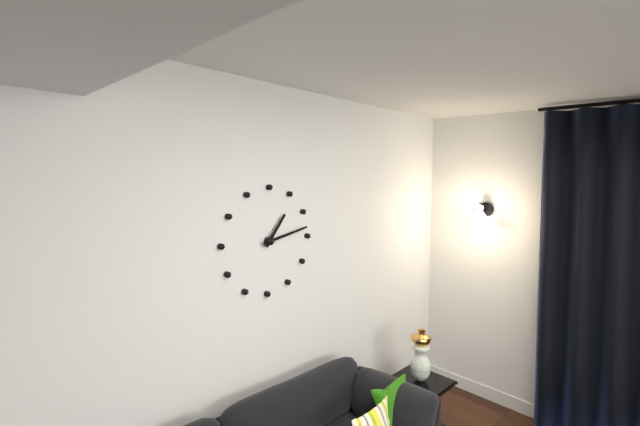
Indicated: 1 h 13 min
